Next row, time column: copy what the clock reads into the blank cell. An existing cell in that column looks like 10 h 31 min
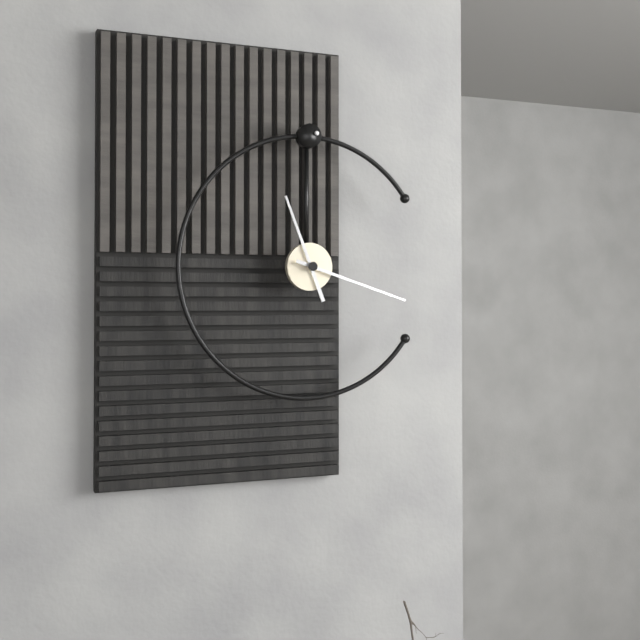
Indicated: 11 h 18 min
